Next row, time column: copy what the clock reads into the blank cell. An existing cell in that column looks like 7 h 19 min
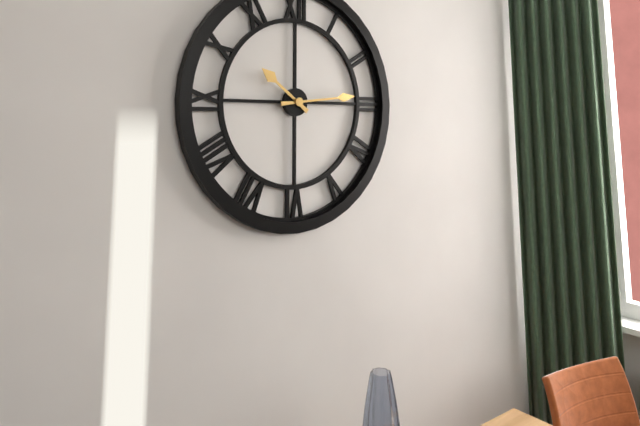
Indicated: 10 h 14 min
